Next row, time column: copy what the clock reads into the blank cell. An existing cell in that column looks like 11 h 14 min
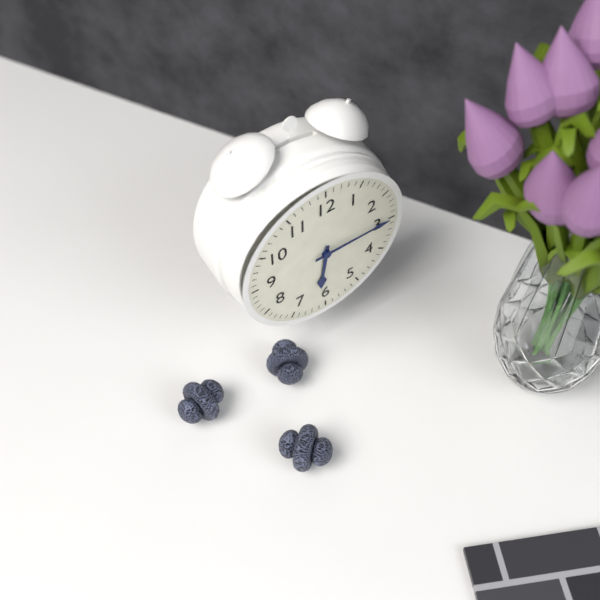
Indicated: 6 h 15 min
